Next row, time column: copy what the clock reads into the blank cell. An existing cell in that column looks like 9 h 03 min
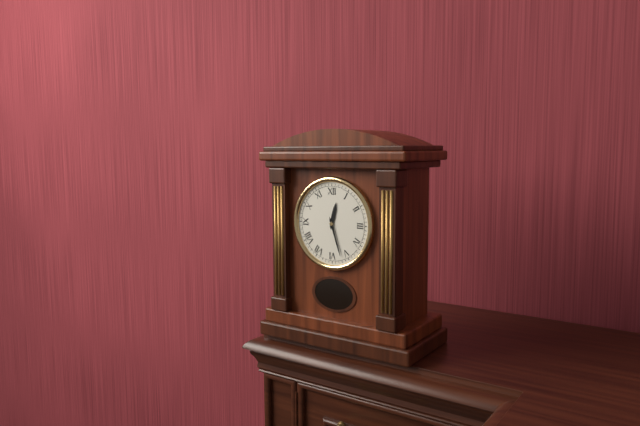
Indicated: 12 h 27 min
